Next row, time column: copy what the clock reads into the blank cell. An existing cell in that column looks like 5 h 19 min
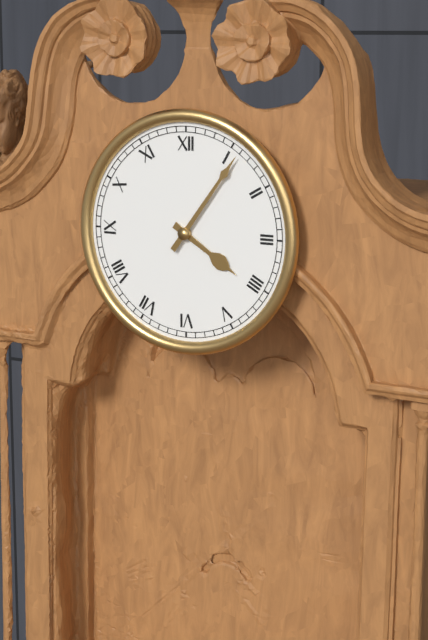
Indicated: 4 h 06 min
